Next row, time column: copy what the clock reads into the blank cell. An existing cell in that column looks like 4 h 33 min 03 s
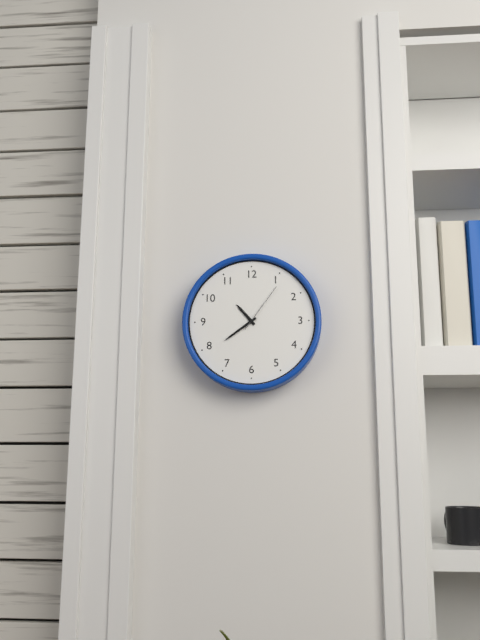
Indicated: 10 h 39 min 06 s
